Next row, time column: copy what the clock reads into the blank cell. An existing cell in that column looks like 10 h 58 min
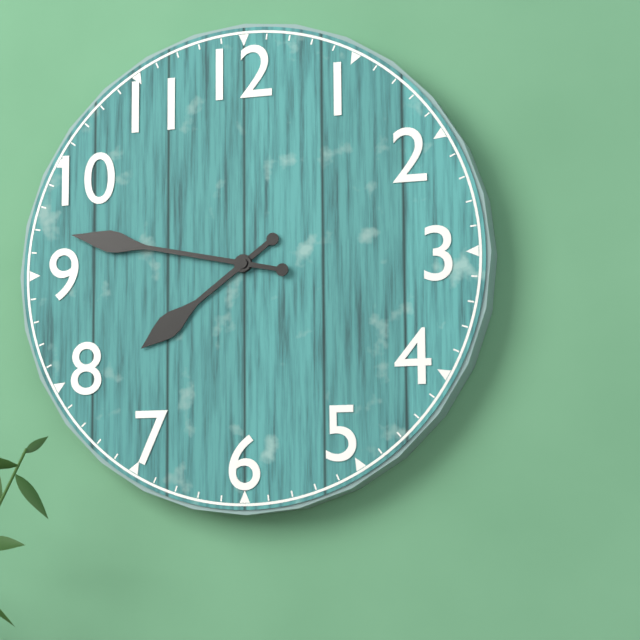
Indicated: 7 h 47 min
